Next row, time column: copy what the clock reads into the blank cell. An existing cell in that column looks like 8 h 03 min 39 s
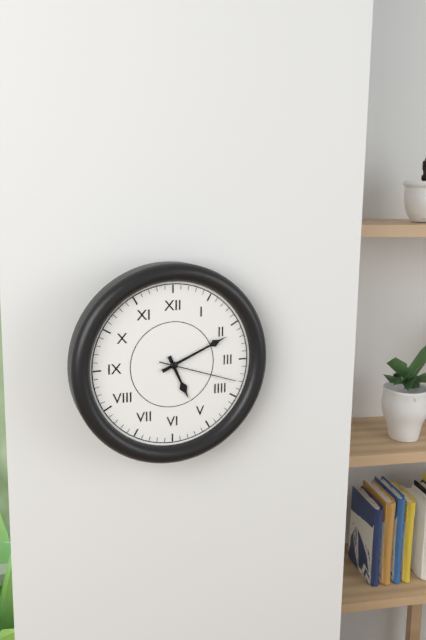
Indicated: 5 h 11 min 18 s
